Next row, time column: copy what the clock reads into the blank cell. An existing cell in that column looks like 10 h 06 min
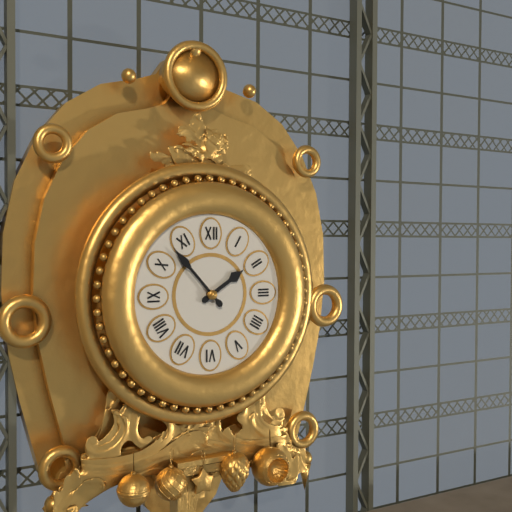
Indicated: 1 h 53 min
